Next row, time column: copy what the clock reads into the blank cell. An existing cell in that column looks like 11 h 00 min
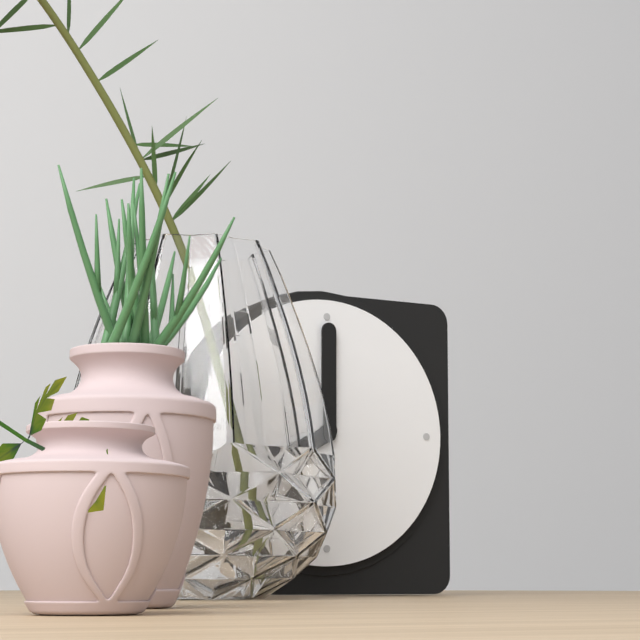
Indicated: 8 h 00 min
